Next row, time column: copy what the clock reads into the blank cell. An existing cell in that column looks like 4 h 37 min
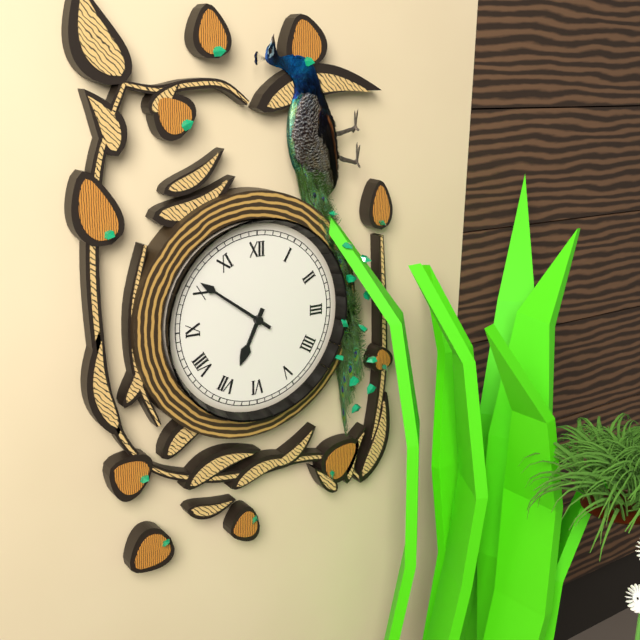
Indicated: 6 h 51 min
